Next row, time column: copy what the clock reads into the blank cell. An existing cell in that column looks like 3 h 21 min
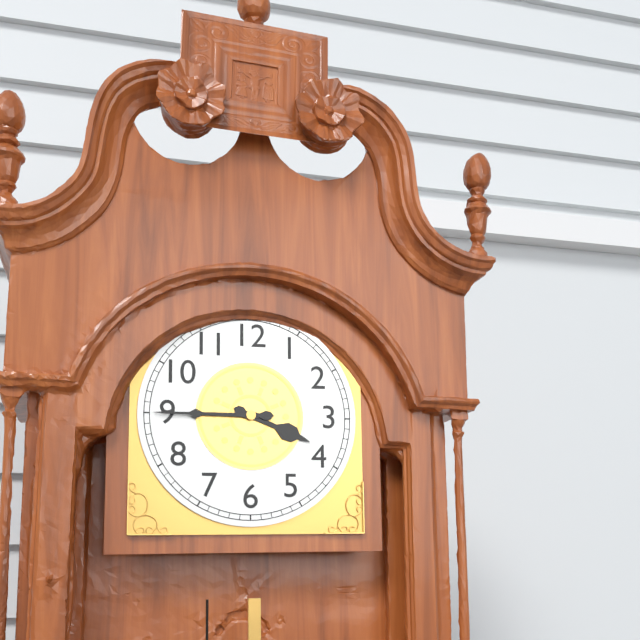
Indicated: 3 h 45 min
